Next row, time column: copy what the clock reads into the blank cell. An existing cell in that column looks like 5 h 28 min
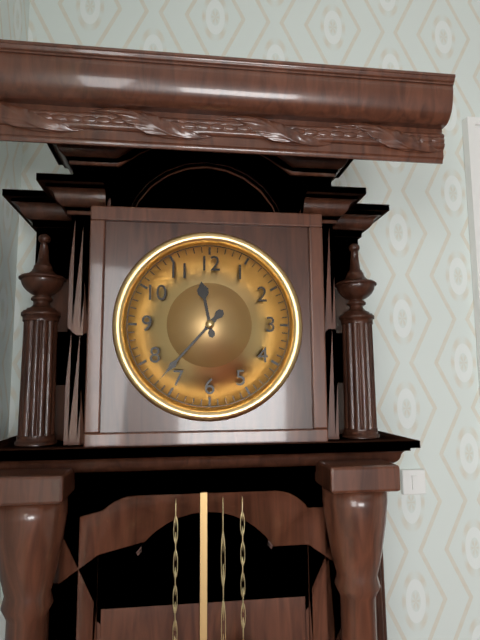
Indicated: 11 h 37 min
